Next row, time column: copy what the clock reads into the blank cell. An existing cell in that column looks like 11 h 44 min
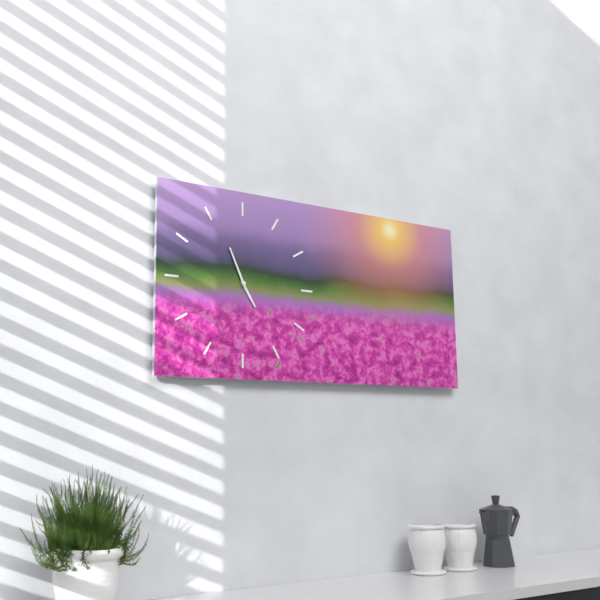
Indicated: 4 h 56 min
